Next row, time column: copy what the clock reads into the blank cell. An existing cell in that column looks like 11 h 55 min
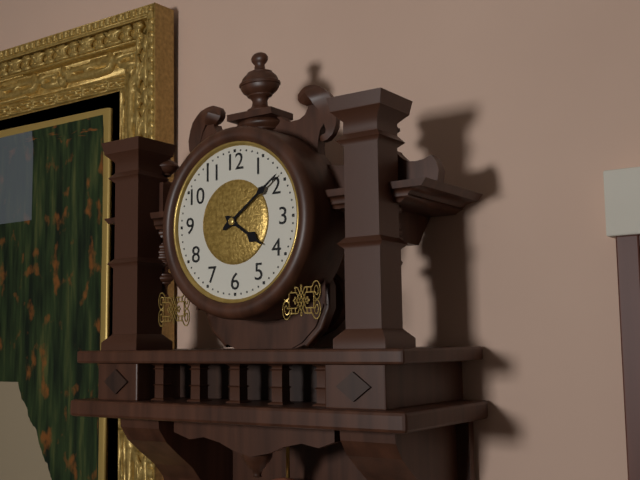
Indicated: 4 h 09 min
